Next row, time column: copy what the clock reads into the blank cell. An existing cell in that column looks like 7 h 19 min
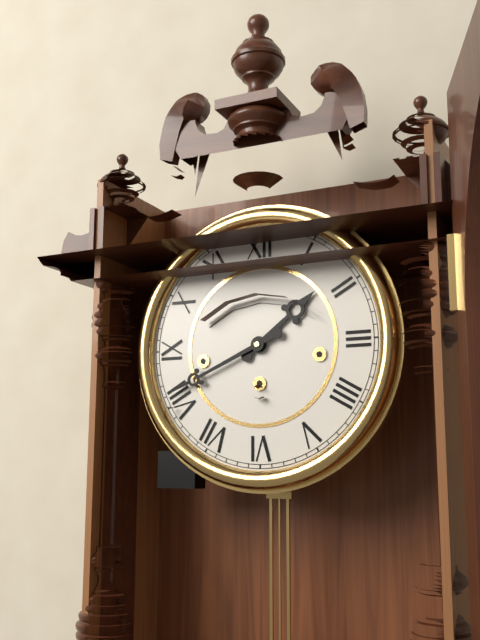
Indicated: 1 h 41 min
